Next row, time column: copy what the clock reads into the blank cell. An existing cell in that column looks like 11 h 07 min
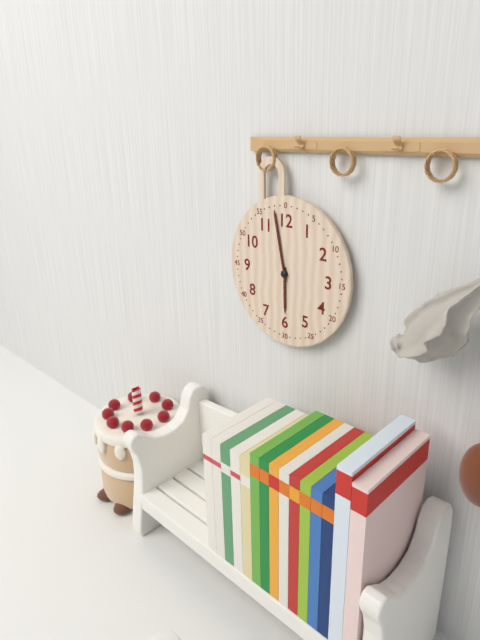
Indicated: 5 h 58 min
